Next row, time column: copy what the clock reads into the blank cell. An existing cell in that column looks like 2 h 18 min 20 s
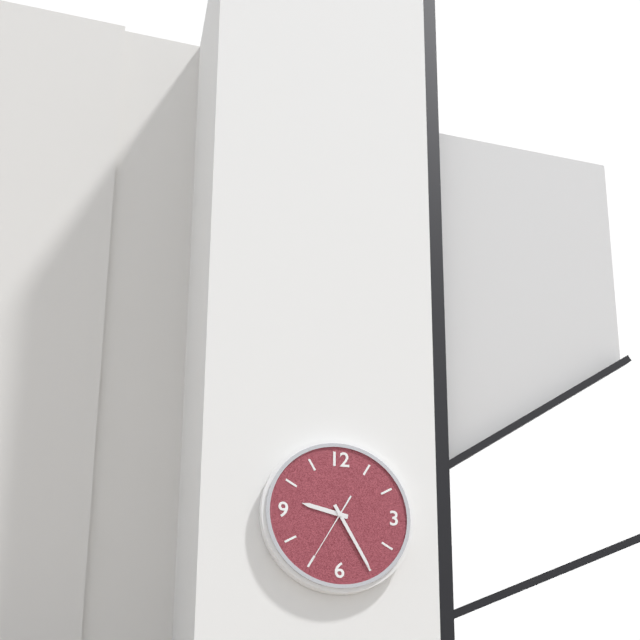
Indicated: 9 h 25 min 35 s
